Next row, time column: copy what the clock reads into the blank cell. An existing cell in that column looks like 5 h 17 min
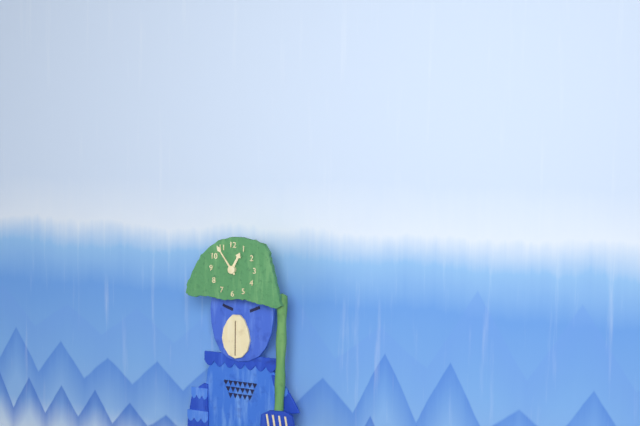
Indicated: 12 h 54 min
